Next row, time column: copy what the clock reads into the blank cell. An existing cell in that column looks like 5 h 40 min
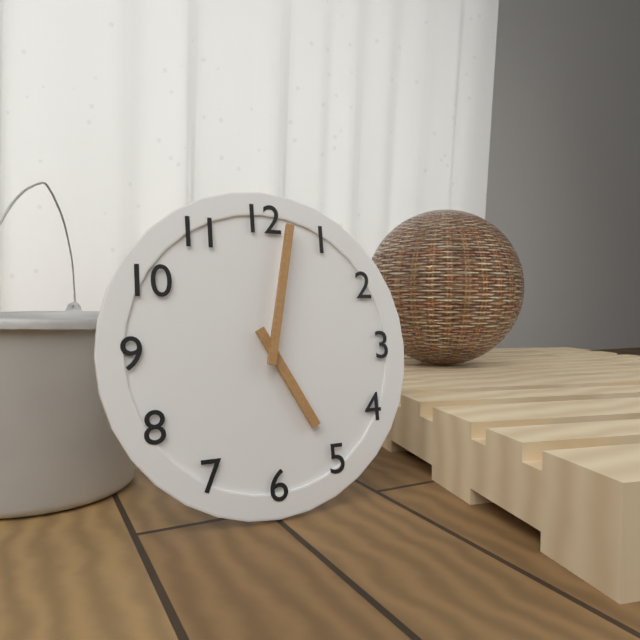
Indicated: 5 h 02 min
